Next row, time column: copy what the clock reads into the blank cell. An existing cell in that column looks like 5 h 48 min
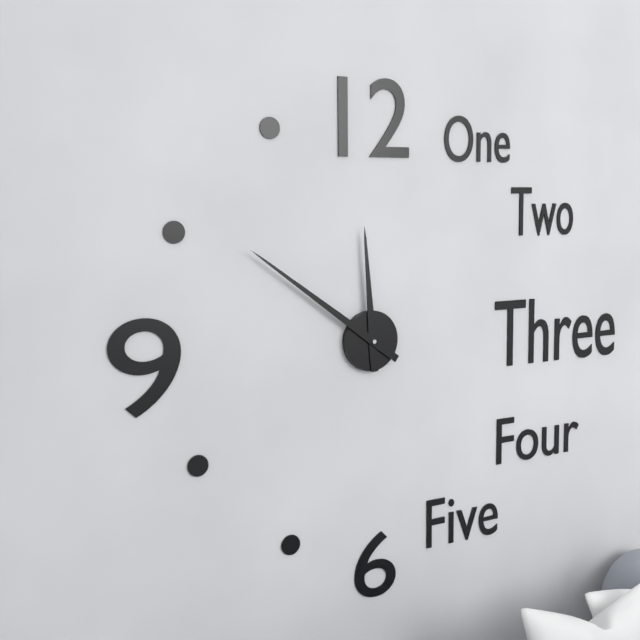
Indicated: 11 h 51 min
